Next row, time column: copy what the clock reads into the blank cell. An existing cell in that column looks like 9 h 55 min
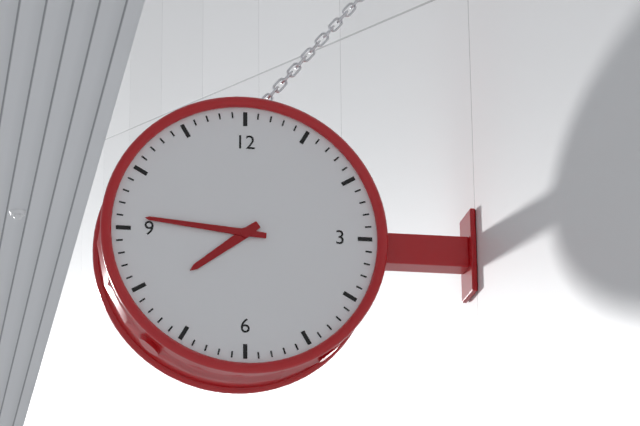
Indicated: 7 h 46 min
